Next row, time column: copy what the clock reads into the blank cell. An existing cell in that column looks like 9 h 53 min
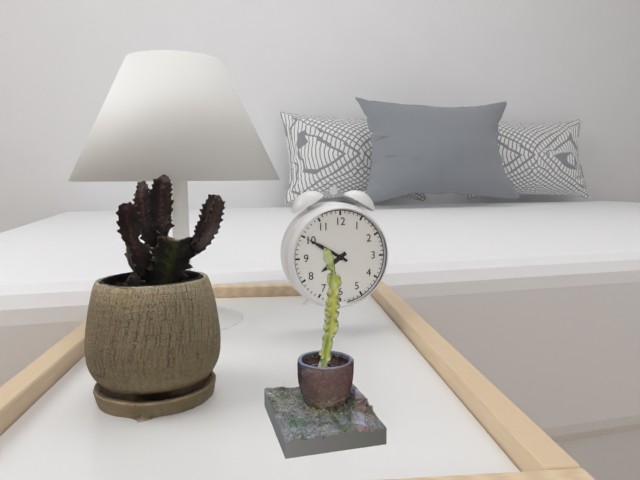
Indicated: 7 h 50 min
